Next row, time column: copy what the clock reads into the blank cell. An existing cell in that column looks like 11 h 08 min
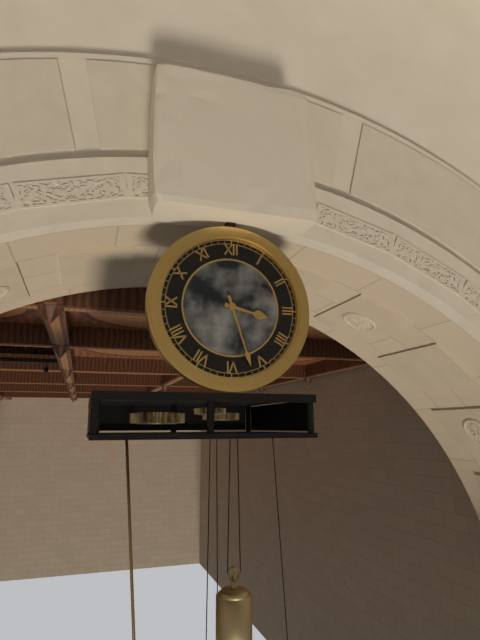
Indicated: 3 h 27 min
